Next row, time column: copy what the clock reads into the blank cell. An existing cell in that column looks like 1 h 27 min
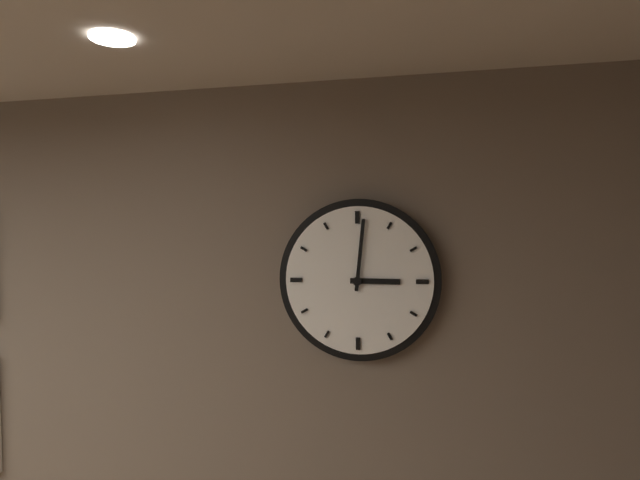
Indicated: 3 h 01 min
